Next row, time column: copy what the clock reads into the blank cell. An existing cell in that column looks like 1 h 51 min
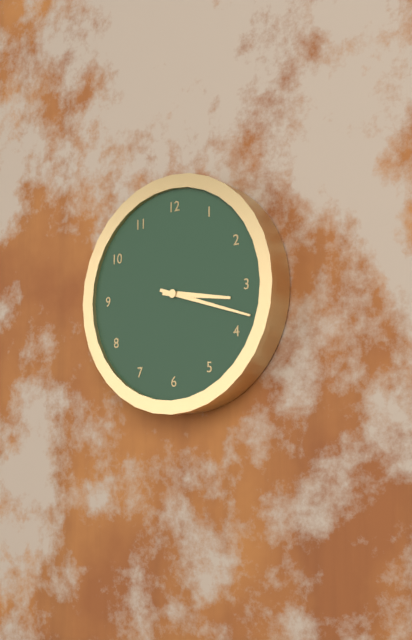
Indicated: 3 h 18 min
